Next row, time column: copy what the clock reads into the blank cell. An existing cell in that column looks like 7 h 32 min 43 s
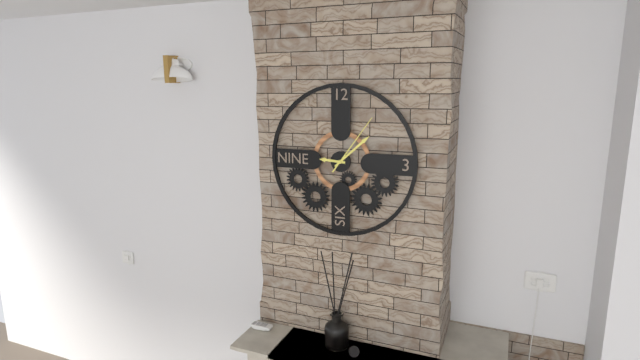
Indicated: 9 h 08 min 06 s
